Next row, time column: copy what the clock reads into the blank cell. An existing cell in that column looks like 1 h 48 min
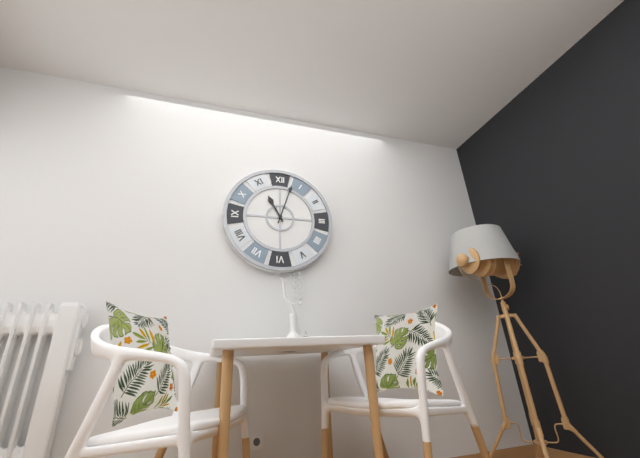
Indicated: 11 h 03 min
